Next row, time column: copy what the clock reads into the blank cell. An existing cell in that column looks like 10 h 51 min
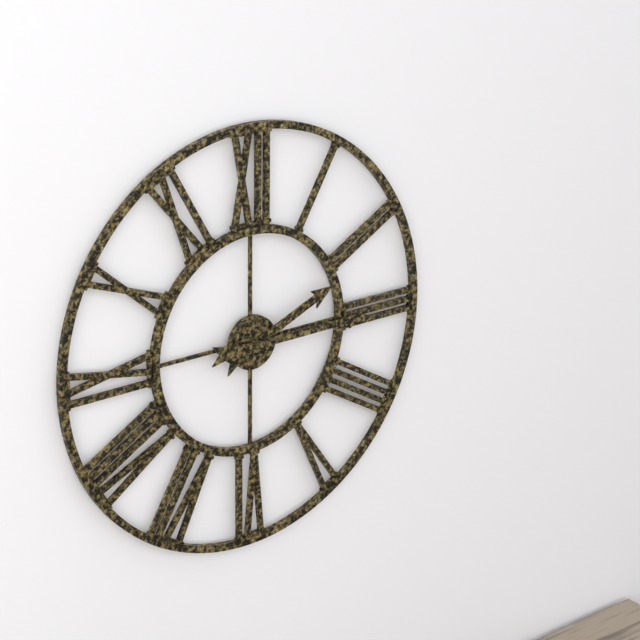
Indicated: 2 h 15 min
